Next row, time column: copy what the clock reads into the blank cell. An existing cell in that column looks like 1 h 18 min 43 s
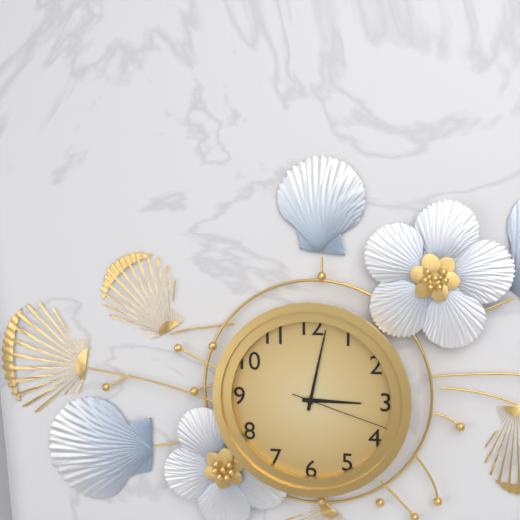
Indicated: 3 h 02 min 18 s
